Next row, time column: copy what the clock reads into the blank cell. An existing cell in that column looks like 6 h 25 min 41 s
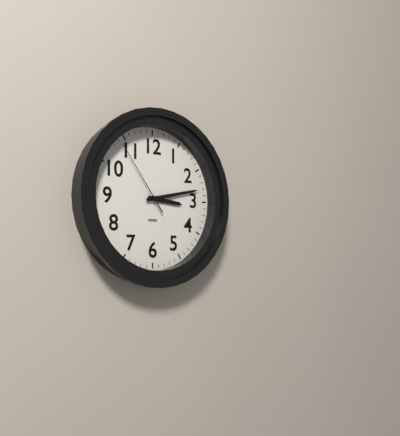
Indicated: 3 h 13 min 54 s
